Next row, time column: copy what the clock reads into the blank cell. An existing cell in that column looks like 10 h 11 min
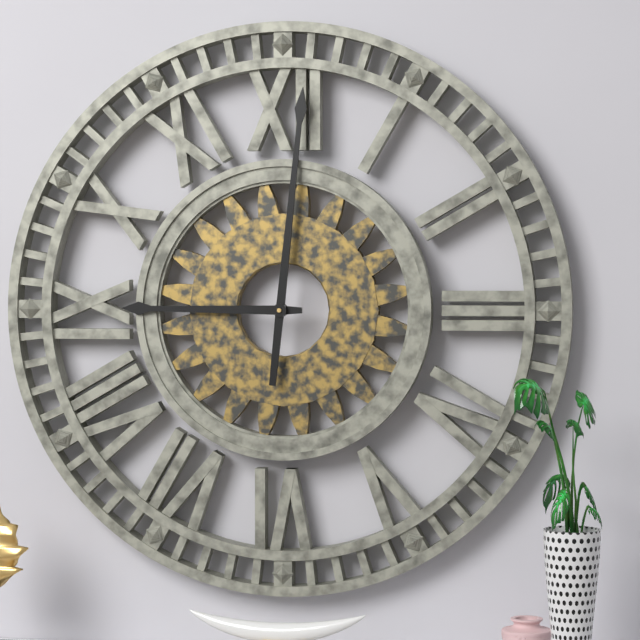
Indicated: 9 h 01 min
